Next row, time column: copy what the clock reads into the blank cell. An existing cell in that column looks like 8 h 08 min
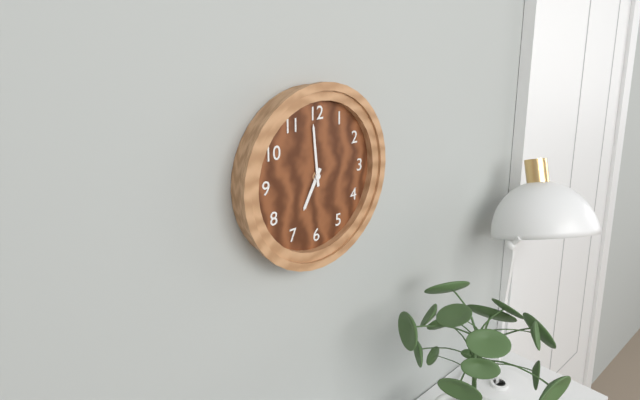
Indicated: 6 h 59 min
